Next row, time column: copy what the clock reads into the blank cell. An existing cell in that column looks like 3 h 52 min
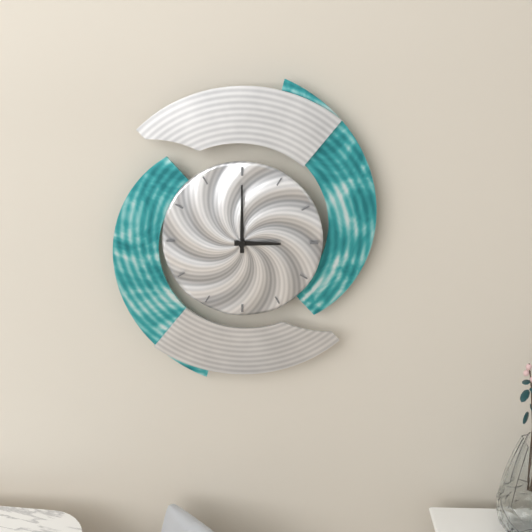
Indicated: 3 h 00 min
